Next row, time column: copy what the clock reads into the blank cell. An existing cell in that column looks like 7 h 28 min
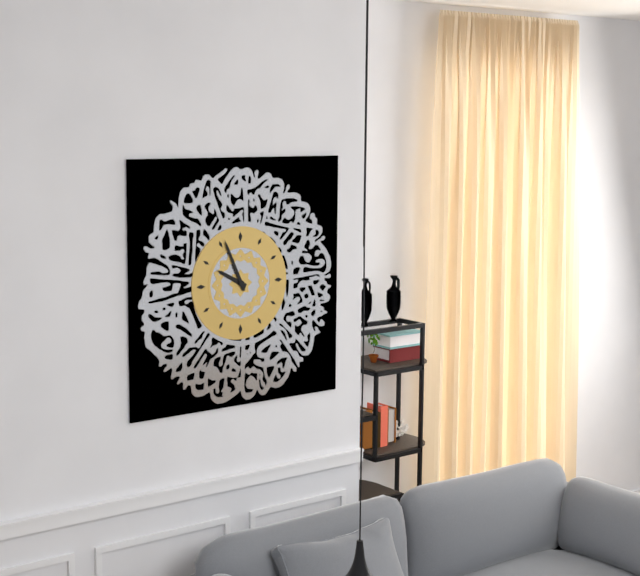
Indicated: 9 h 56 min
